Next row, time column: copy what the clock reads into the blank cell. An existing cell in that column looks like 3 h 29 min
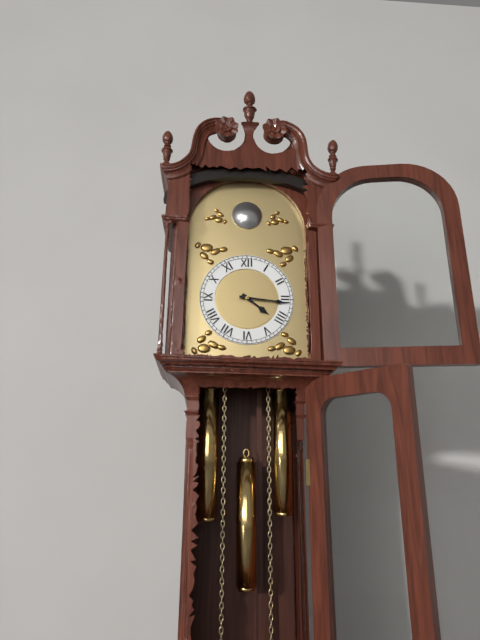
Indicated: 4 h 16 min
